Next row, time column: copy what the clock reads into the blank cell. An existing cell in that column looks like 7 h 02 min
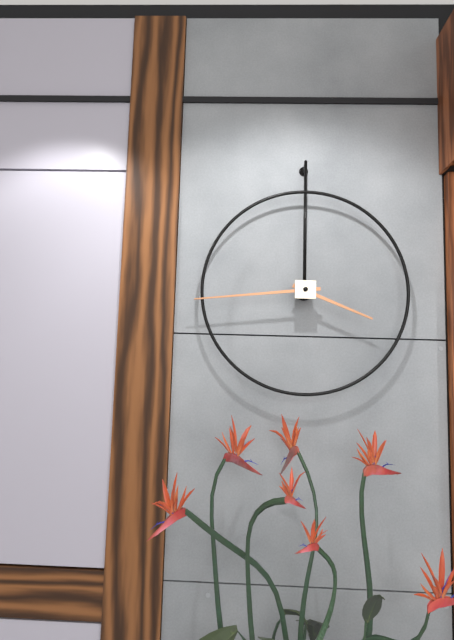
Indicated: 3 h 44 min
